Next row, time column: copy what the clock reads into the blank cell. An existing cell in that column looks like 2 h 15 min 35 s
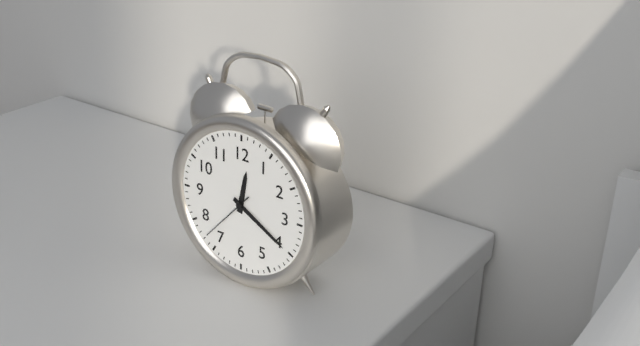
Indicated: 12 h 20 min 37 s
